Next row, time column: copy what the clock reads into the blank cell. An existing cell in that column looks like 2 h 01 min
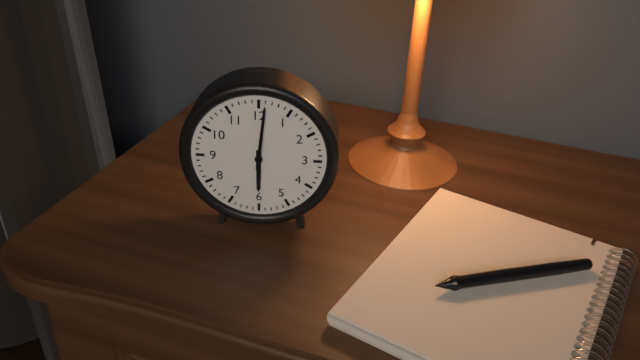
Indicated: 6 h 01 min
